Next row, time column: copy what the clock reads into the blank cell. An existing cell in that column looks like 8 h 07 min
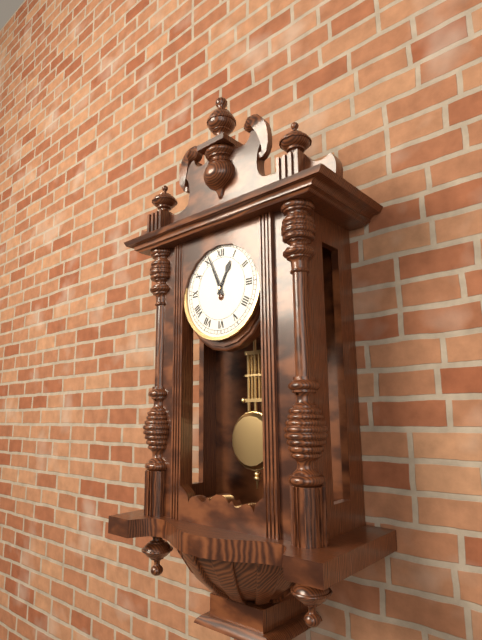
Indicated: 12 h 56 min
